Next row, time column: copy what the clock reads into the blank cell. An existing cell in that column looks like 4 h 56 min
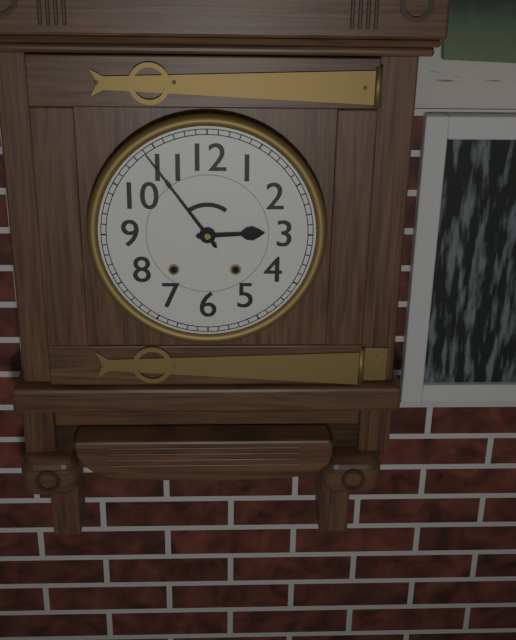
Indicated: 2 h 54 min
